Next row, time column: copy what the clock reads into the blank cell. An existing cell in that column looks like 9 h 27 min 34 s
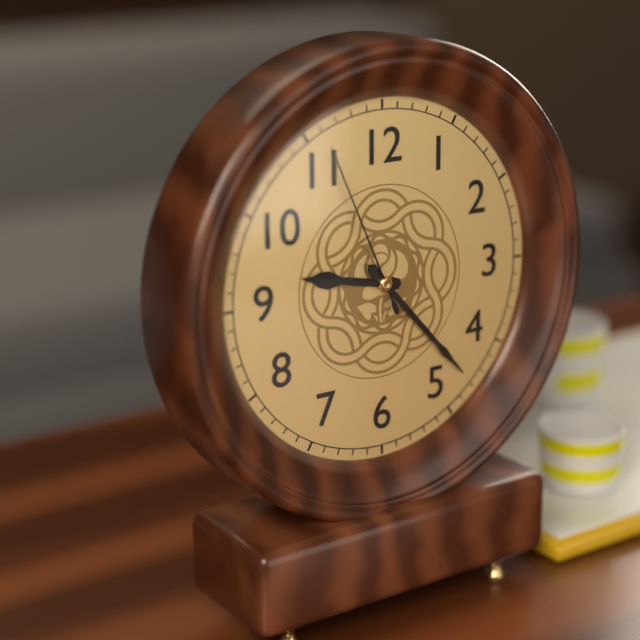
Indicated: 9 h 23 min 56 s
